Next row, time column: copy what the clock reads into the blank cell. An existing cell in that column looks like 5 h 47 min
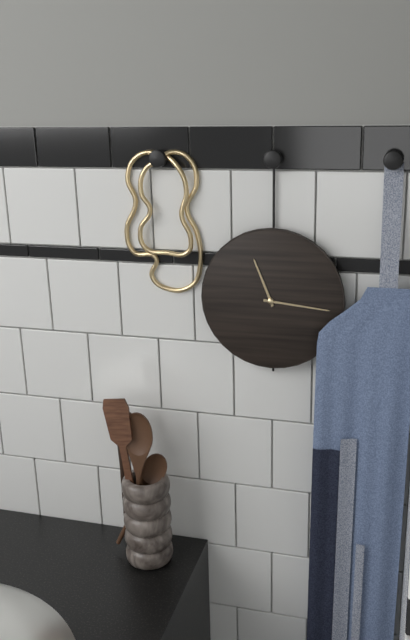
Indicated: 11 h 16 min
